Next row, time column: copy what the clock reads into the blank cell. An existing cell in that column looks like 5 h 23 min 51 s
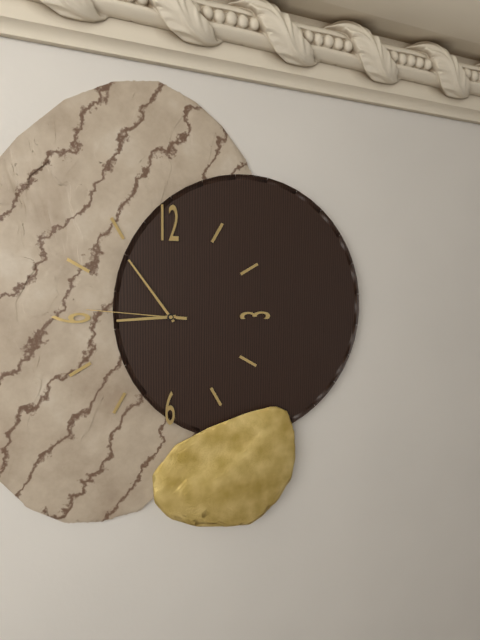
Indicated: 8 h 54 min 46 s
